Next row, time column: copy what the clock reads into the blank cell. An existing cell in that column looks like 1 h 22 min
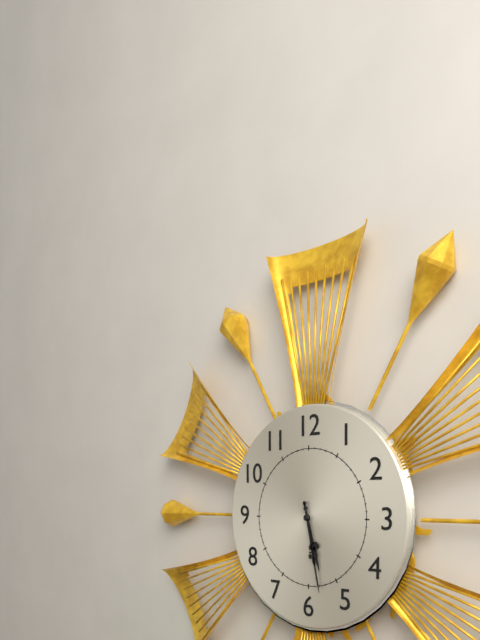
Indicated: 5 h 28 min
